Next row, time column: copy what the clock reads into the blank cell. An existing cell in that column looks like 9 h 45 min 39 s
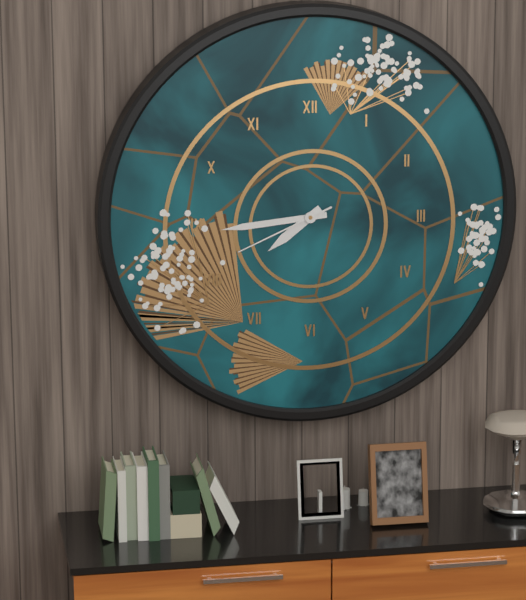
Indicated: 7 h 44 min 41 s
